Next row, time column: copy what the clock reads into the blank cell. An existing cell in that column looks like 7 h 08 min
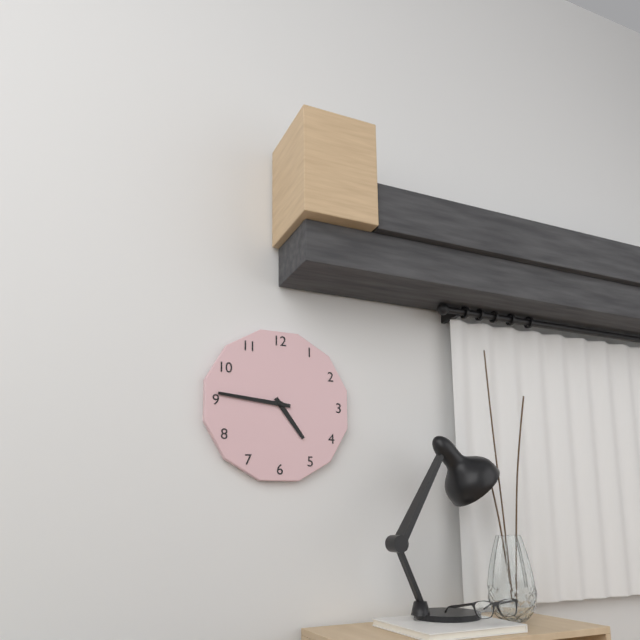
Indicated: 4 h 46 min
